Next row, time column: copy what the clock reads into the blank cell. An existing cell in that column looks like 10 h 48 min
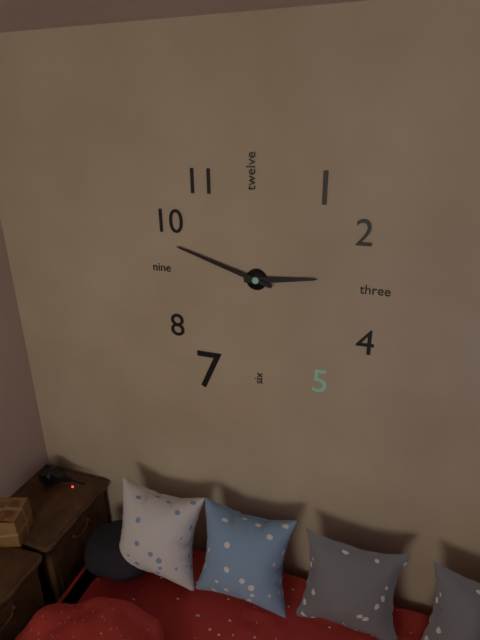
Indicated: 2 h 48 min
